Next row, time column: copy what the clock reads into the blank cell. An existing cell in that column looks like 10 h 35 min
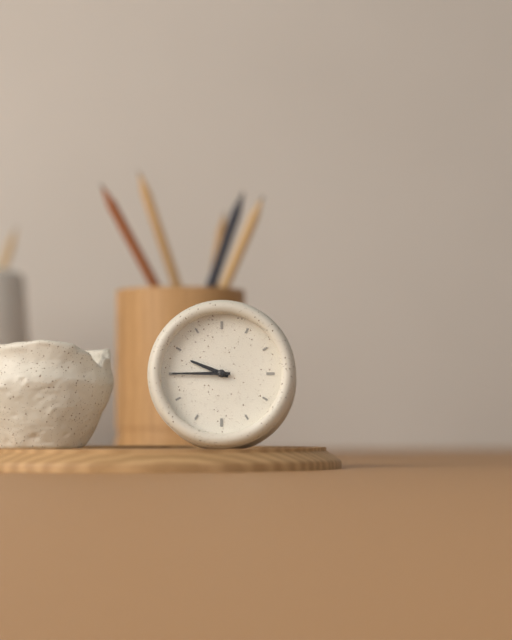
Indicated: 9 h 45 min
